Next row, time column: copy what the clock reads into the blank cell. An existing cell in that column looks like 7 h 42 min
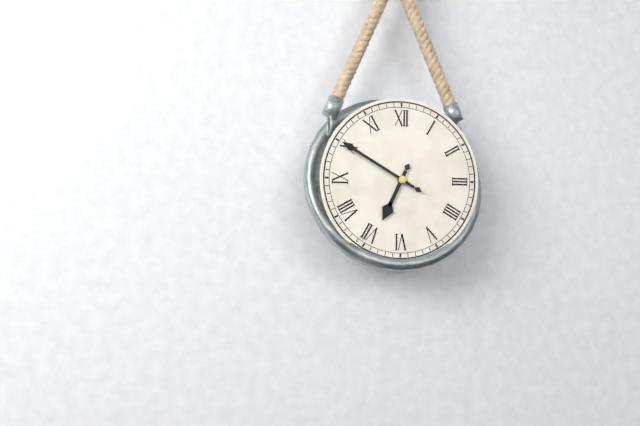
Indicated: 6 h 50 min
